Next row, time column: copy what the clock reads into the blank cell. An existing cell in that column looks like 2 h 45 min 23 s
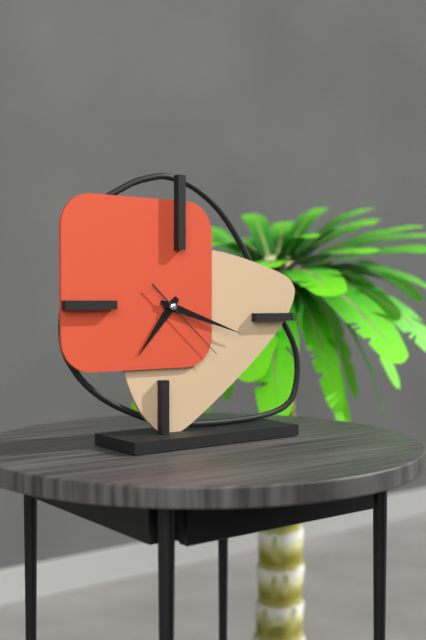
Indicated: 7 h 18 min 22 s
